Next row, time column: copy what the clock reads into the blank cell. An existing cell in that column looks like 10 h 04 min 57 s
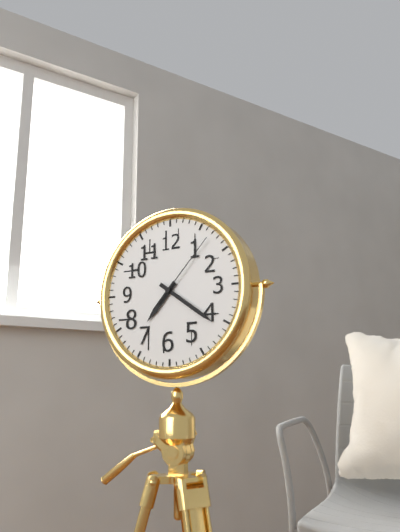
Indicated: 7 h 21 min 07 s
